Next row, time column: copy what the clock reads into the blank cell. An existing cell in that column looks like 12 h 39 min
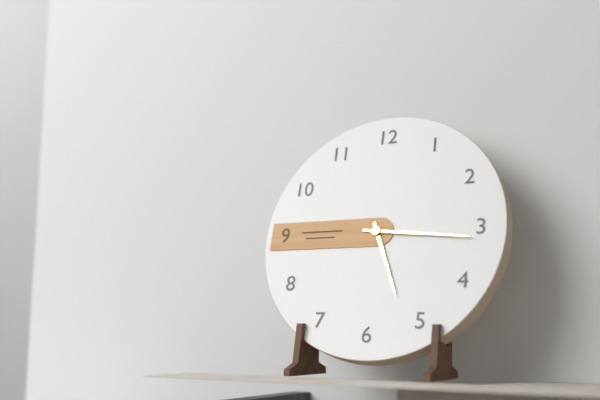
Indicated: 5 h 16 min
